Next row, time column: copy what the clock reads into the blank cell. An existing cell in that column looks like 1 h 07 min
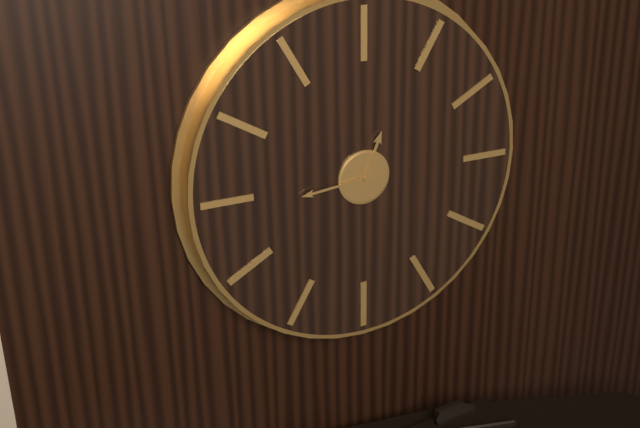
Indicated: 12 h 44 min
